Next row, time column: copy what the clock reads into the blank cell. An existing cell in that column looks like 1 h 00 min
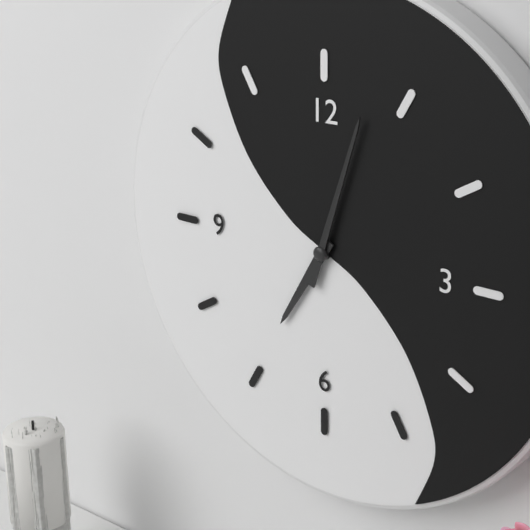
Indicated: 7 h 03 min
